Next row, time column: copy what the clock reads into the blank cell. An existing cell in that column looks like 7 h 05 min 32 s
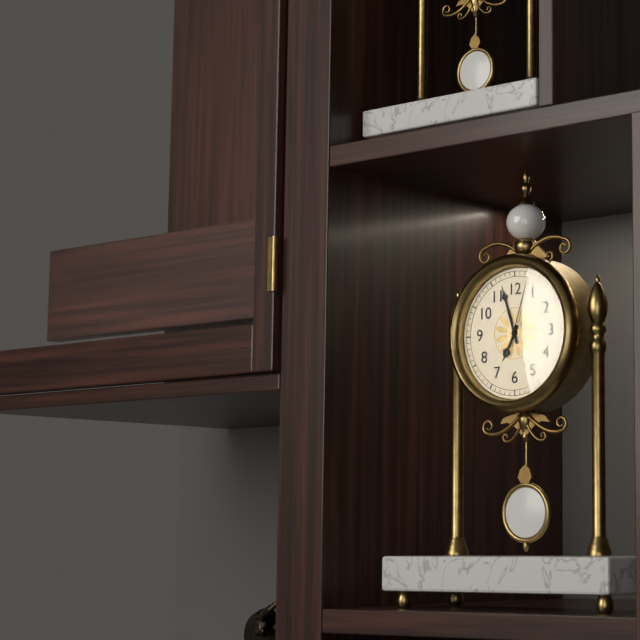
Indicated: 6 h 57 min 03 s
